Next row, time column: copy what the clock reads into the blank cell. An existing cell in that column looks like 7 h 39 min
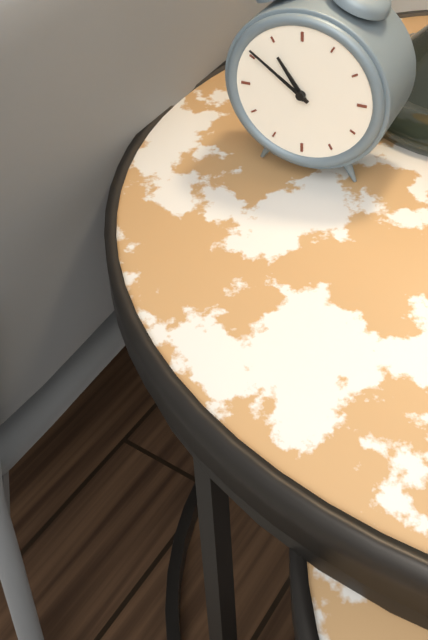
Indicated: 10 h 51 min
